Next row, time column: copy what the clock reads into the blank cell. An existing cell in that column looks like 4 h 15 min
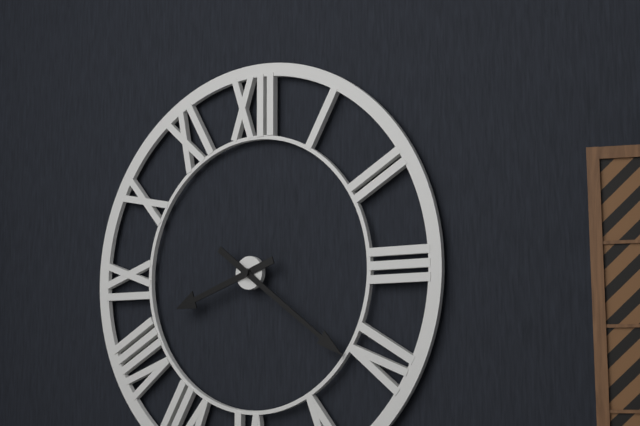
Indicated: 8 h 21 min
